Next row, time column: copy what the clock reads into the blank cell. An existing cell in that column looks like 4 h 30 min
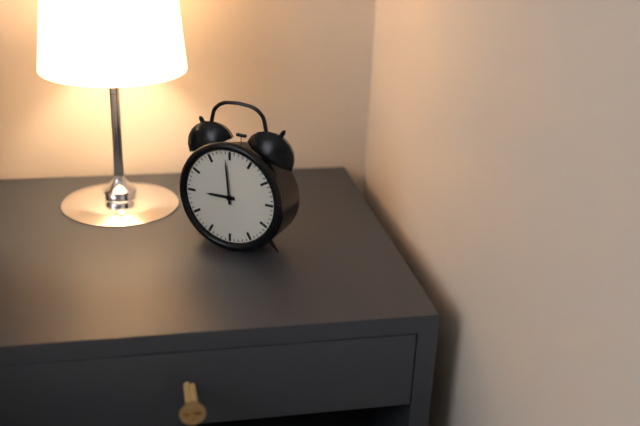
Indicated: 8 h 59 min
